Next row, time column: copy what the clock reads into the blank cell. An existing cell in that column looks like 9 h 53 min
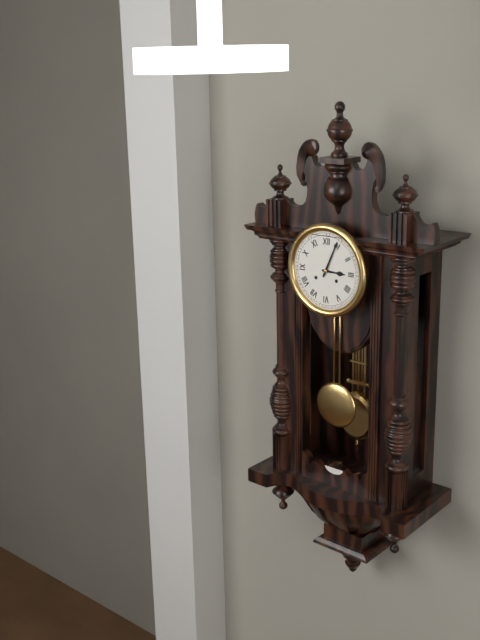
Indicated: 3 h 04 min
